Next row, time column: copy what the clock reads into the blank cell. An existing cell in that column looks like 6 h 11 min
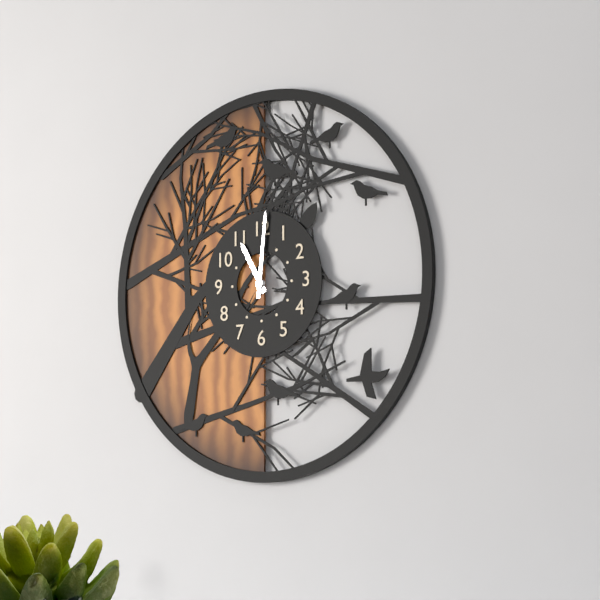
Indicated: 11 h 01 min
